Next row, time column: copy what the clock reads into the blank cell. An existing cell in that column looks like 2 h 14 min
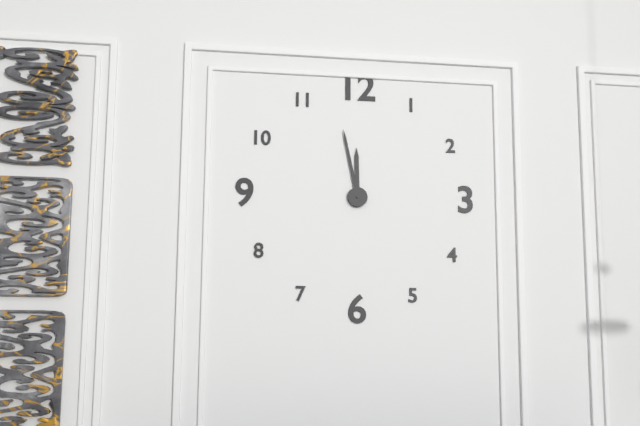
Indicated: 11 h 58 min
